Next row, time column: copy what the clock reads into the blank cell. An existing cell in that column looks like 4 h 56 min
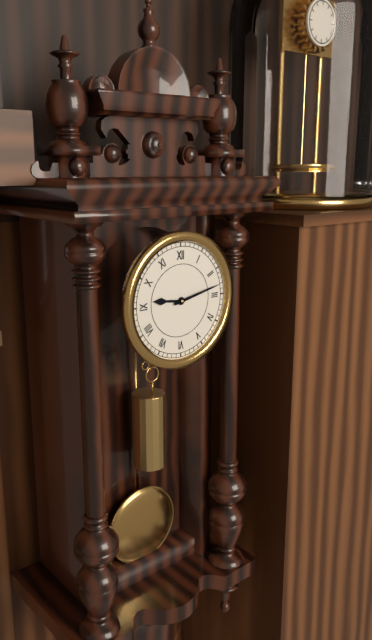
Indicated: 9 h 13 min
